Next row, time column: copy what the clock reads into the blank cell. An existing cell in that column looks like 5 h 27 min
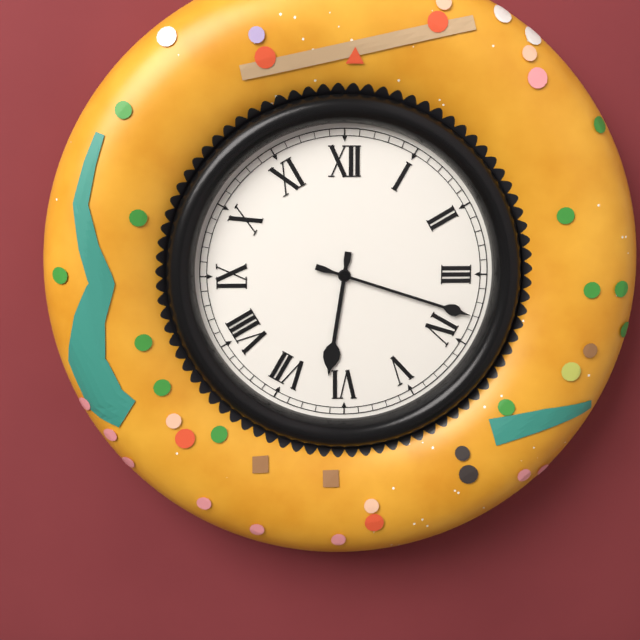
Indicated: 6 h 18 min
